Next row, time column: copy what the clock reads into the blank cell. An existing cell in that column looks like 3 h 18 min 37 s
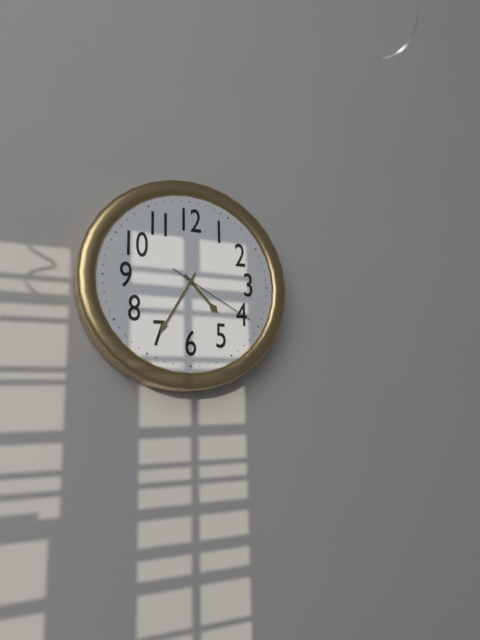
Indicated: 4 h 35 min 20 s
